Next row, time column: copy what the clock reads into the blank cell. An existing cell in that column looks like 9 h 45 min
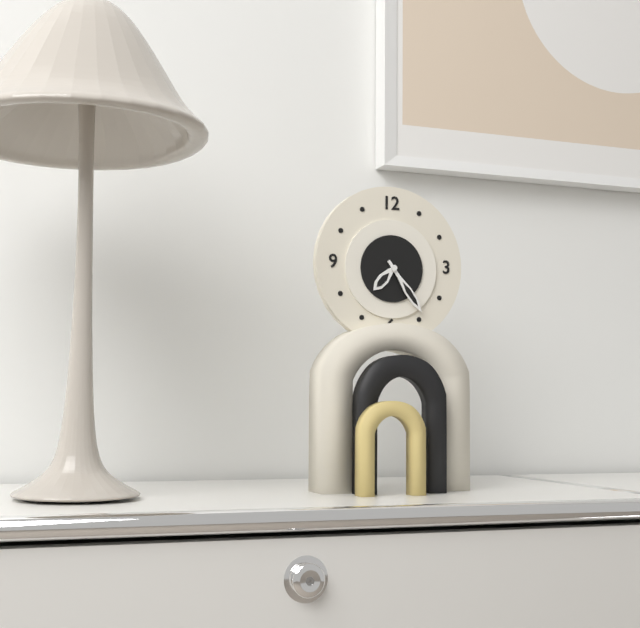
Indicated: 7 h 24 min
